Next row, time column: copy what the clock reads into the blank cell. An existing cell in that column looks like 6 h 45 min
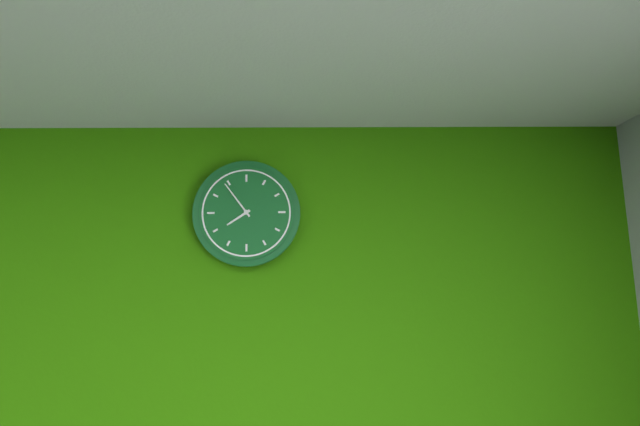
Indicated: 7 h 54 min
